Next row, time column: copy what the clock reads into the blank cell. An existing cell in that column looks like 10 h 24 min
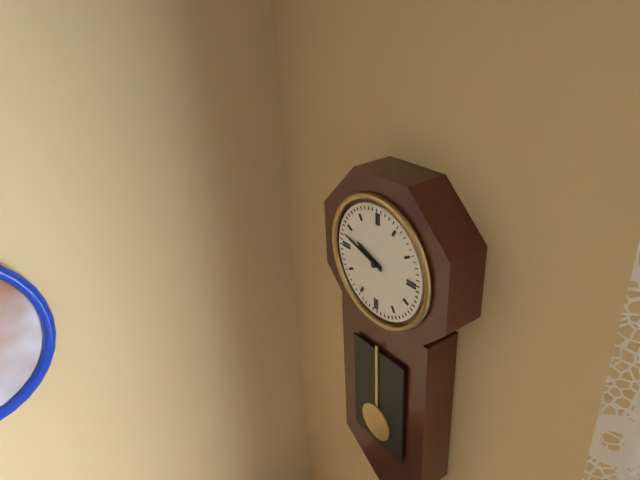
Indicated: 9 h 48 min
